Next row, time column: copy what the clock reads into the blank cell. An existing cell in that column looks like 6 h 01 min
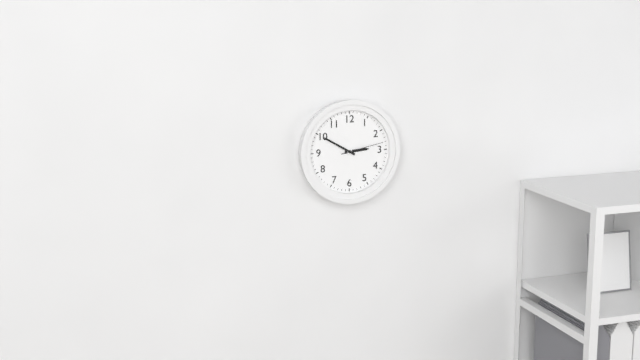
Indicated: 2 h 50 min
